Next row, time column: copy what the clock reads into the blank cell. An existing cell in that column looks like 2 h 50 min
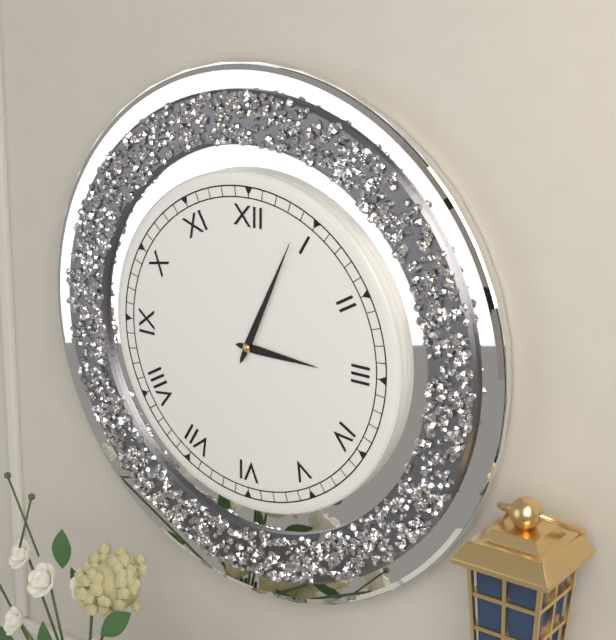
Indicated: 3 h 04 min
